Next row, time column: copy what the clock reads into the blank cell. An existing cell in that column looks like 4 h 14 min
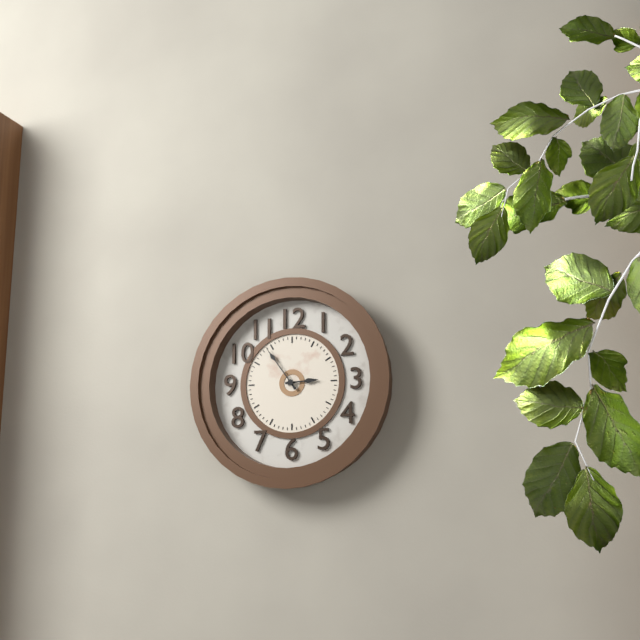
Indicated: 2 h 54 min
